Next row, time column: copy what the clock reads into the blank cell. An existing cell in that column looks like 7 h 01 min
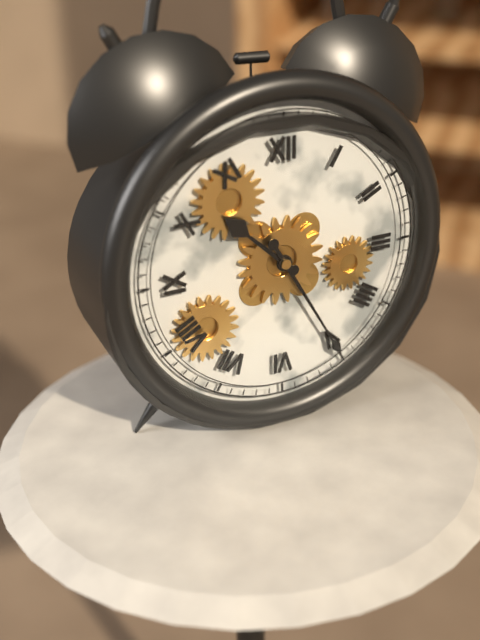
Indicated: 10 h 25 min
